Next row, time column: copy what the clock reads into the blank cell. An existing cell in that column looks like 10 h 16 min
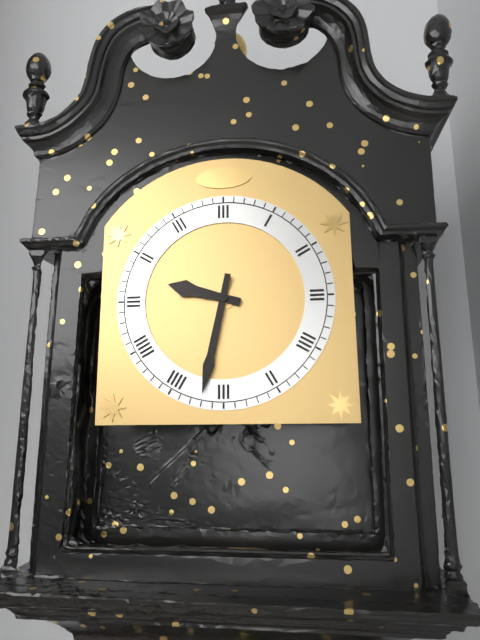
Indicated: 9 h 32 min
